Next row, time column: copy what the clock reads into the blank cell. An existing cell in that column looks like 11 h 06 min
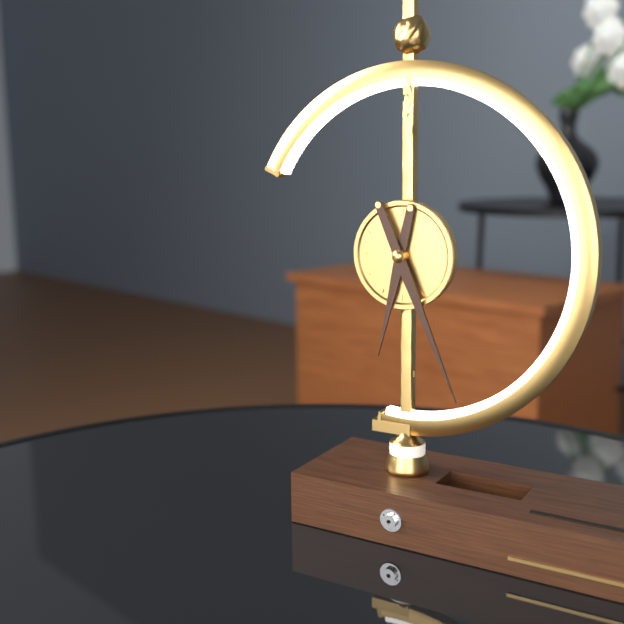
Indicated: 6 h 26 min
